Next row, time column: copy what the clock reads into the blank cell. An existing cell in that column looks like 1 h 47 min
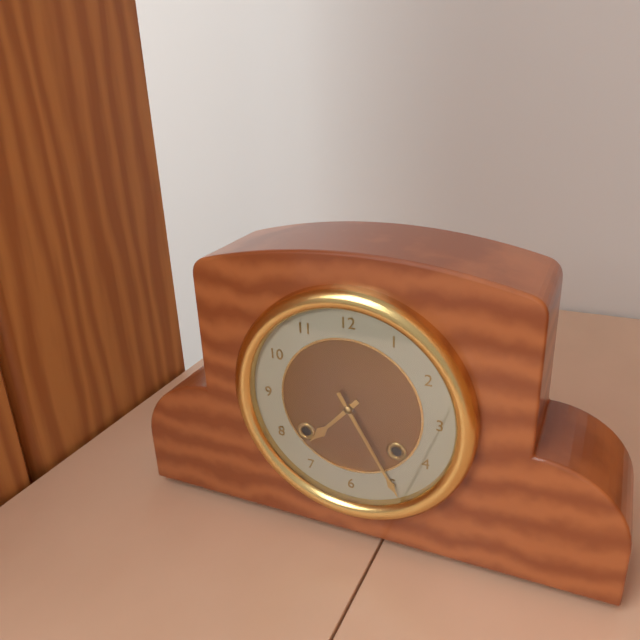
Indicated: 7 h 25 min
